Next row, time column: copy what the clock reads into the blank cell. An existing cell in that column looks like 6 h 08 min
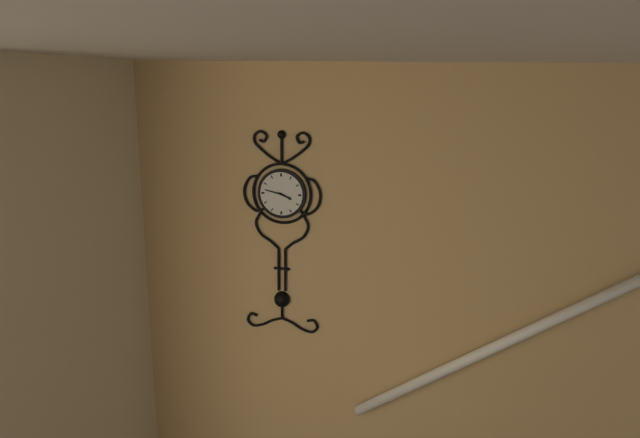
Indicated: 3 h 47 min
